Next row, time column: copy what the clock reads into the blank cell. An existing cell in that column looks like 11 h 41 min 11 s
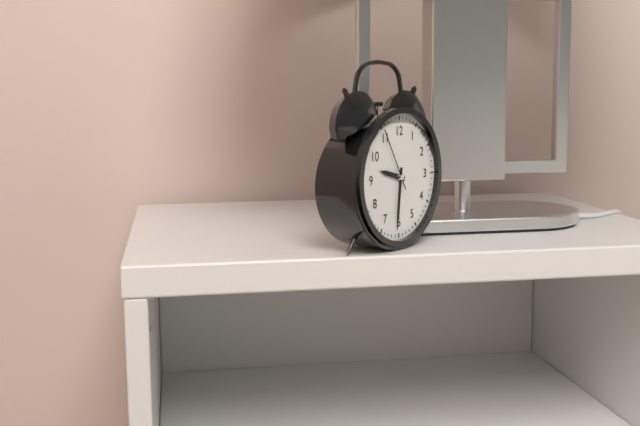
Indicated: 9 h 31 min 55 s
